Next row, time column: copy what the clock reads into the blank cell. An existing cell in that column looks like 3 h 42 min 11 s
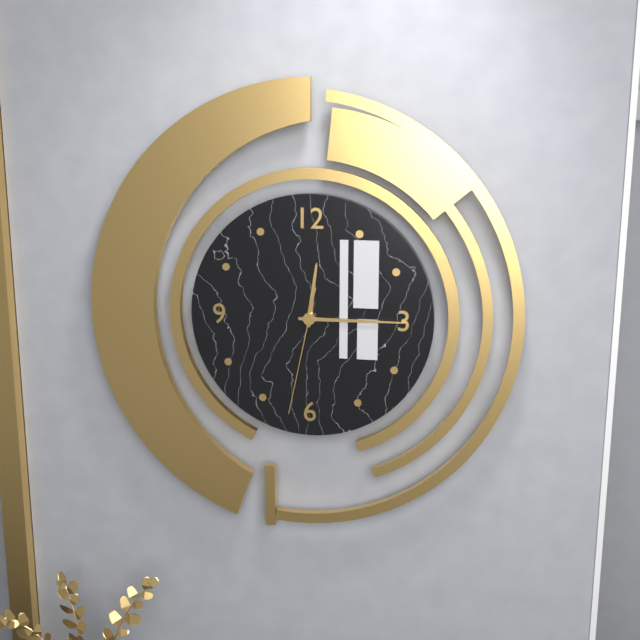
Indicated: 12 h 15 min 32 s
